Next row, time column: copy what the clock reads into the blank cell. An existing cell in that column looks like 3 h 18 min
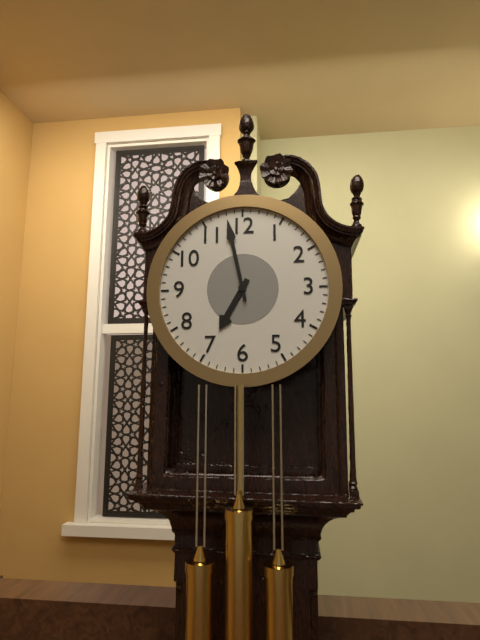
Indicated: 6 h 58 min
